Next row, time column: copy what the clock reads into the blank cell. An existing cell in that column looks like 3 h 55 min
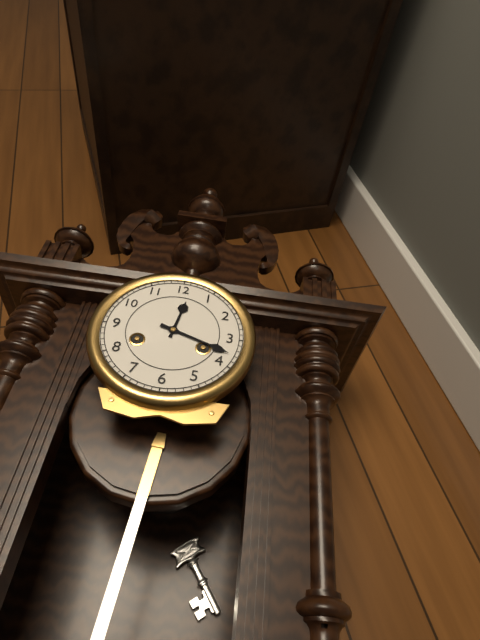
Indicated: 12 h 18 min
